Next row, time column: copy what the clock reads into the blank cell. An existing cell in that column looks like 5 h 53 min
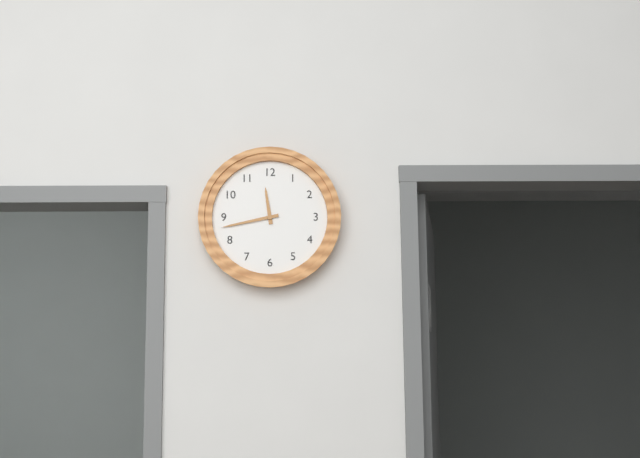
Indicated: 11 h 43 min
